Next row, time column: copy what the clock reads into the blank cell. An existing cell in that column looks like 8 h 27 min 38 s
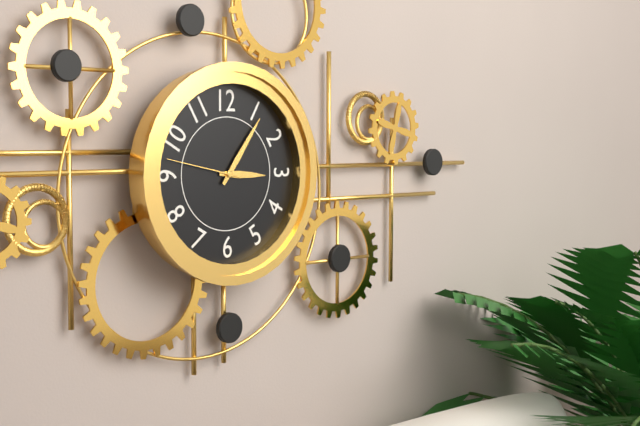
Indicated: 3 h 06 min 47 s
